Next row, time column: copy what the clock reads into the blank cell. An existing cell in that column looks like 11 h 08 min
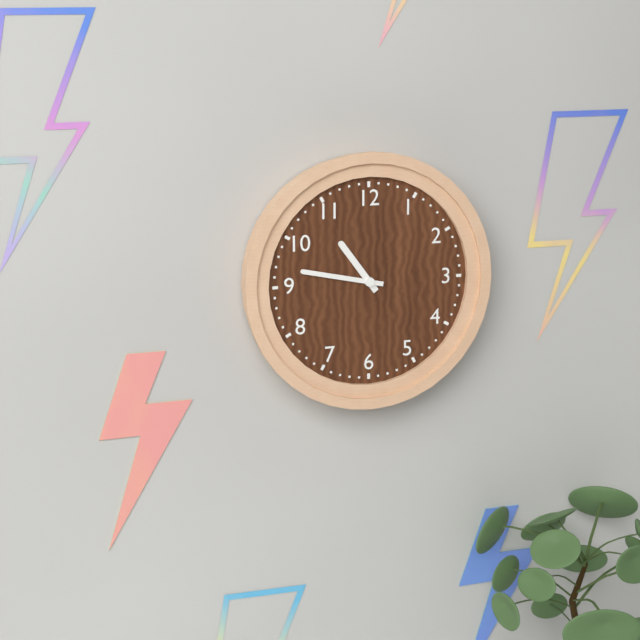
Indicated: 10 h 47 min
